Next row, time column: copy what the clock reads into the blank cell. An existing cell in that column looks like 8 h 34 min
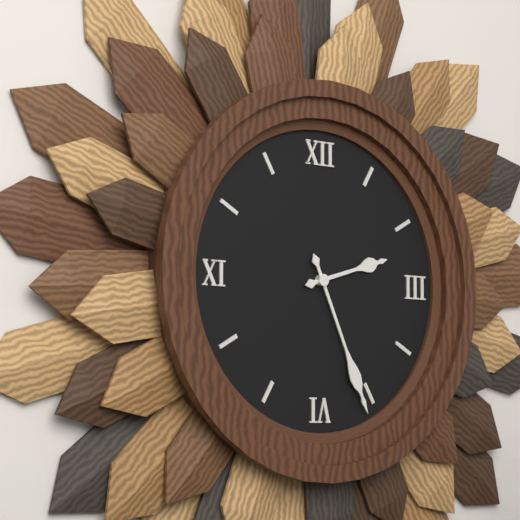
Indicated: 2 h 26 min
